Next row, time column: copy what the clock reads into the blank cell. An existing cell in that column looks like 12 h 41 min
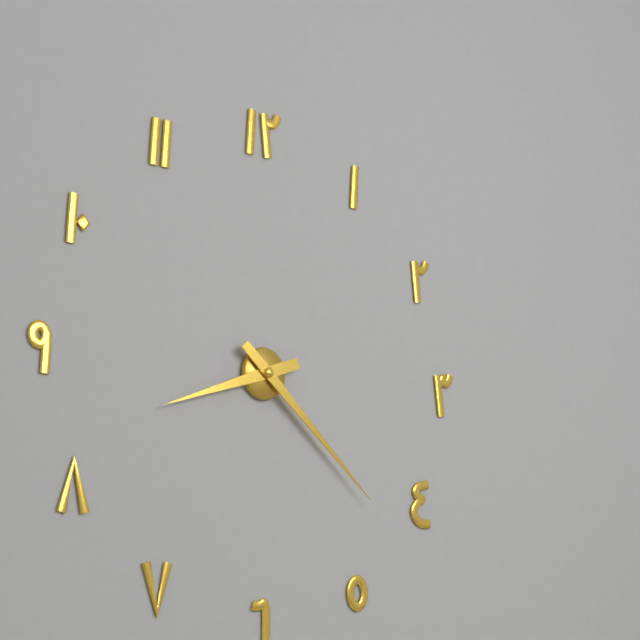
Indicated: 8 h 22 min
